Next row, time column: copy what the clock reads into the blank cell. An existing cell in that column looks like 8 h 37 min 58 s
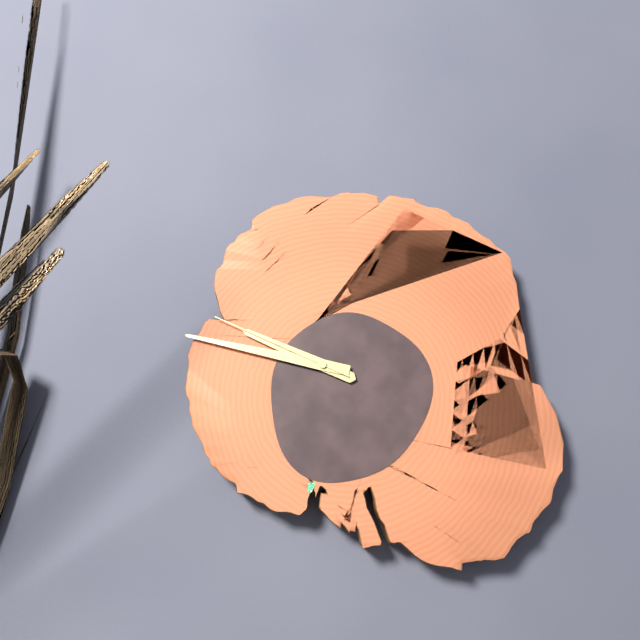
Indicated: 9 h 47 min 49 s
